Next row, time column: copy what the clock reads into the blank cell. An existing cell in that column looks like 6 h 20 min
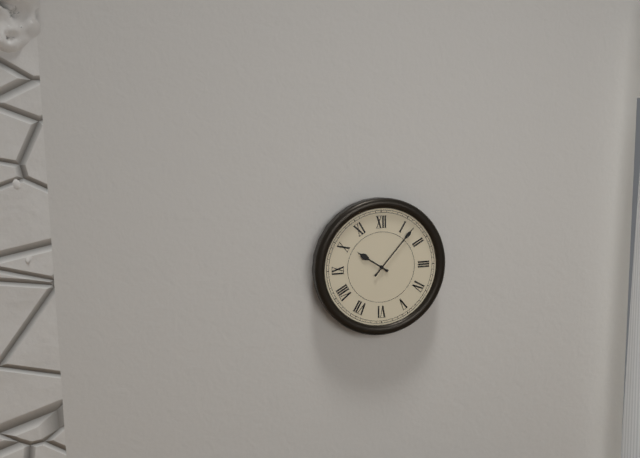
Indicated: 10 h 07 min
